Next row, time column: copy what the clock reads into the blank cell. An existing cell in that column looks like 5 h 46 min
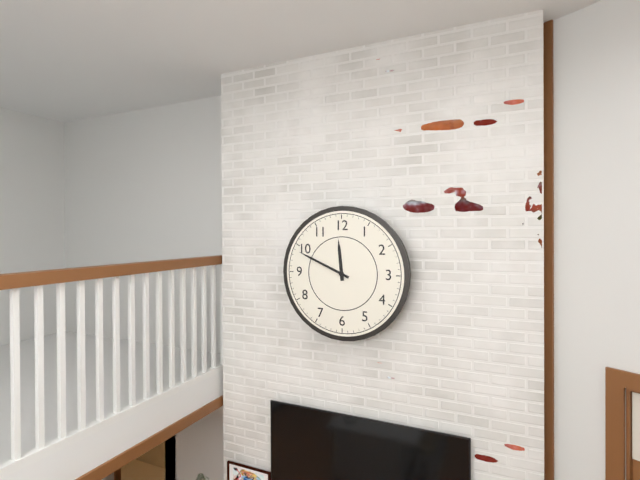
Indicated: 11 h 49 min
